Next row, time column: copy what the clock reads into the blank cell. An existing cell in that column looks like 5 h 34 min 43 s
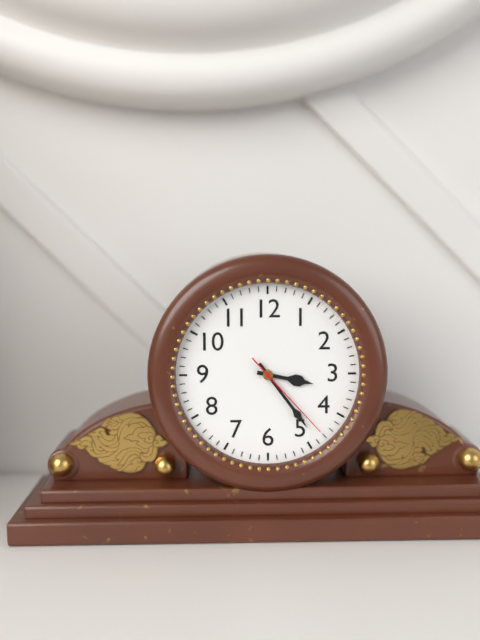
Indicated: 3 h 24 min 23 s
